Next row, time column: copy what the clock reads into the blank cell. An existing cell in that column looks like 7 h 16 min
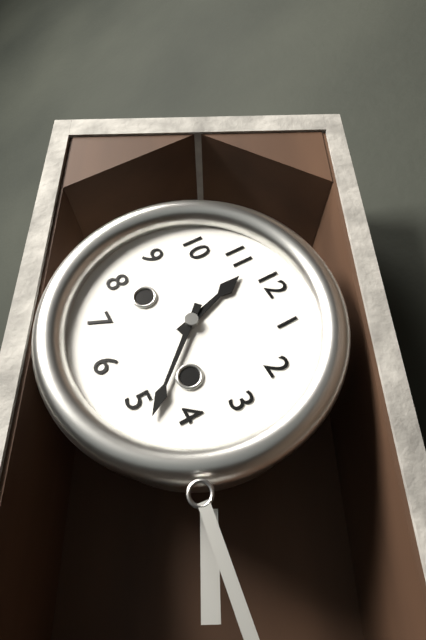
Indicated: 11 h 23 min
